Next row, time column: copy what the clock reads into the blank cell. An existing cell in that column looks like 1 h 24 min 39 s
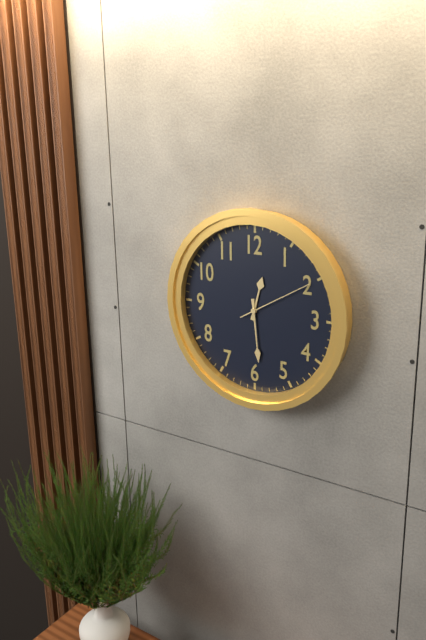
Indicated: 12 h 29 min 10 s
